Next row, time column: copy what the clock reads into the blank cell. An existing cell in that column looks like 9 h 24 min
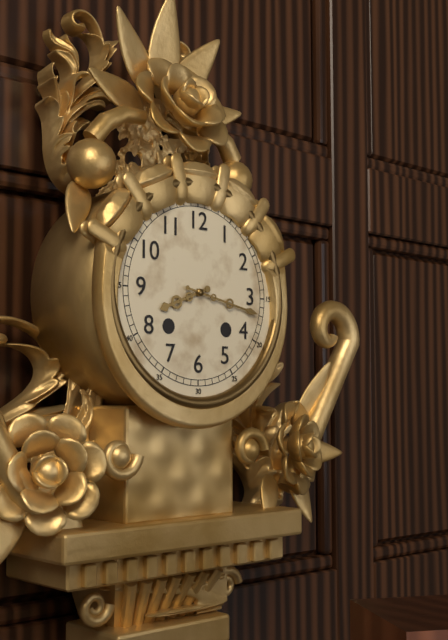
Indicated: 8 h 17 min
